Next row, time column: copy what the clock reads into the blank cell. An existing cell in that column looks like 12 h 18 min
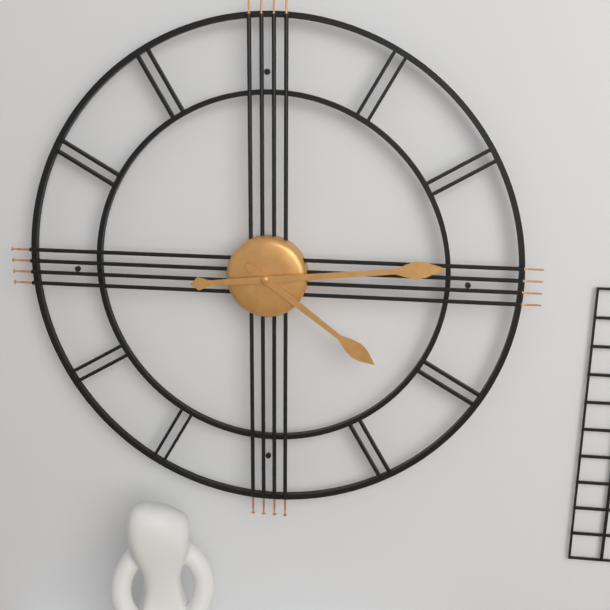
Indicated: 4 h 14 min
